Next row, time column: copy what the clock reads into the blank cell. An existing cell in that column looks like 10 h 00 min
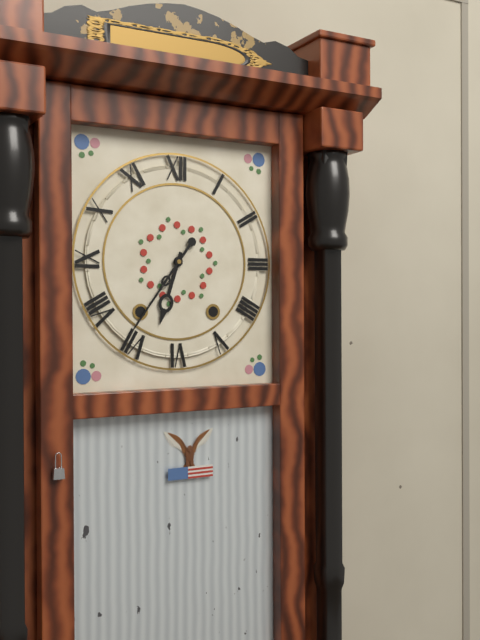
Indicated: 6 h 36 min
